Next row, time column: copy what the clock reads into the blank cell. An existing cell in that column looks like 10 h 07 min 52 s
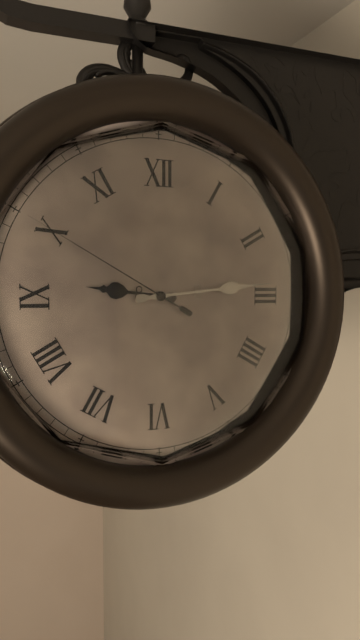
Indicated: 9 h 14 min 50 s
